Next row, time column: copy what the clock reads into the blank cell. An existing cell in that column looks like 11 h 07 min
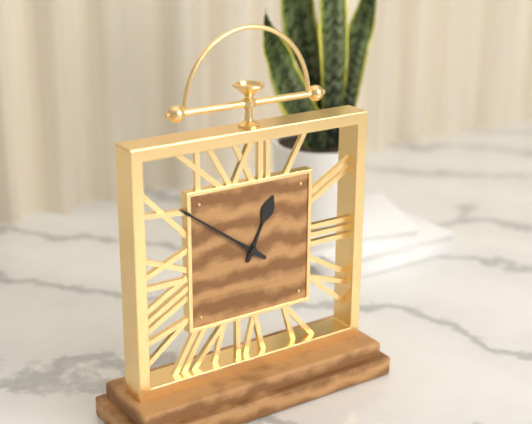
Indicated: 12 h 51 min
